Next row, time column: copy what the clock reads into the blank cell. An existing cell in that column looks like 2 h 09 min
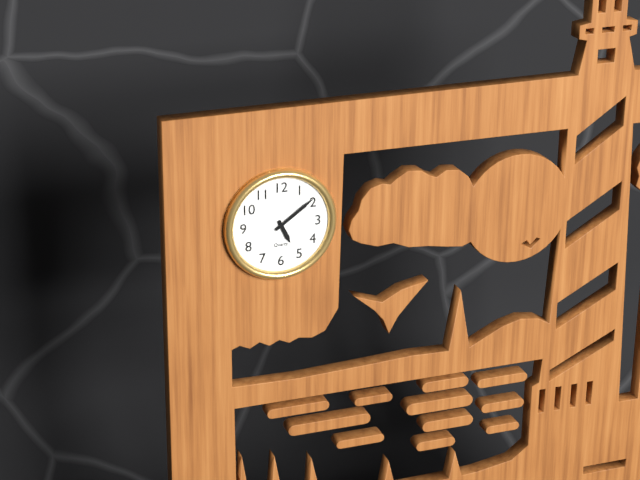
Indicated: 5 h 09 min
